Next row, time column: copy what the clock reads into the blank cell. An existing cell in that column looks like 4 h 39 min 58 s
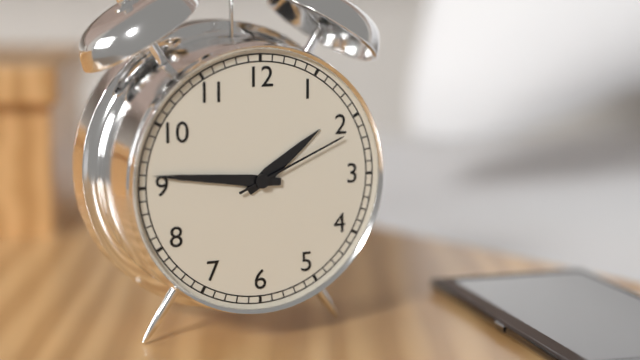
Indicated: 1 h 46 min 11 s
